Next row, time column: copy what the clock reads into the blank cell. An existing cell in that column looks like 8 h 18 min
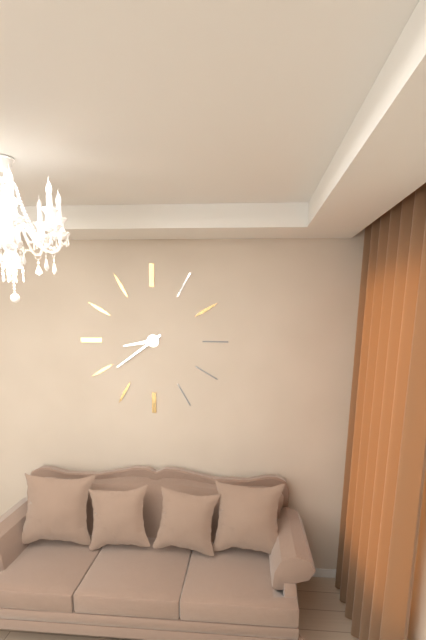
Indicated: 8 h 39 min
